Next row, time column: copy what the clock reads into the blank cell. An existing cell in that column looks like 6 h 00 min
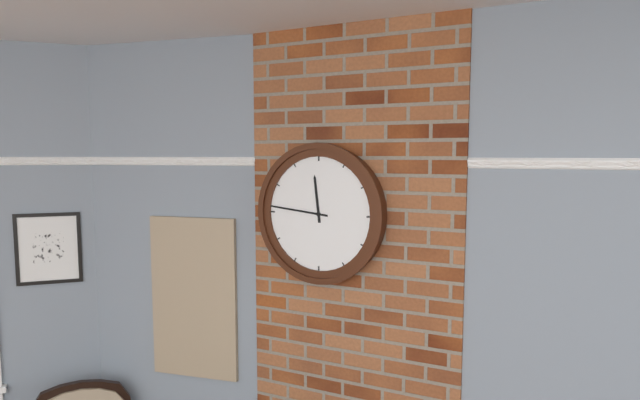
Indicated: 11 h 46 min
